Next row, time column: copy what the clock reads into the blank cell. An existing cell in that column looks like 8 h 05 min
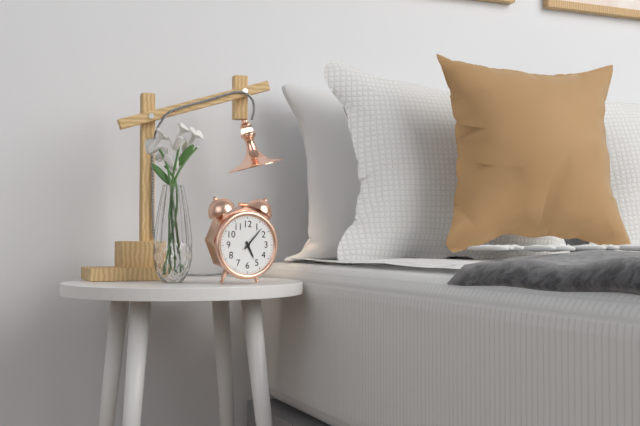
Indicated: 5 h 07 min
